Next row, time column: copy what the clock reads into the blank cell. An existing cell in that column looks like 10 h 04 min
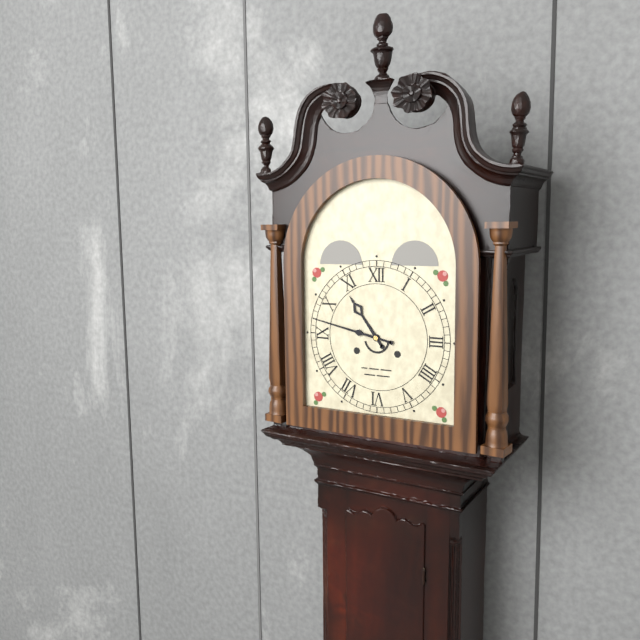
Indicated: 10 h 47 min
